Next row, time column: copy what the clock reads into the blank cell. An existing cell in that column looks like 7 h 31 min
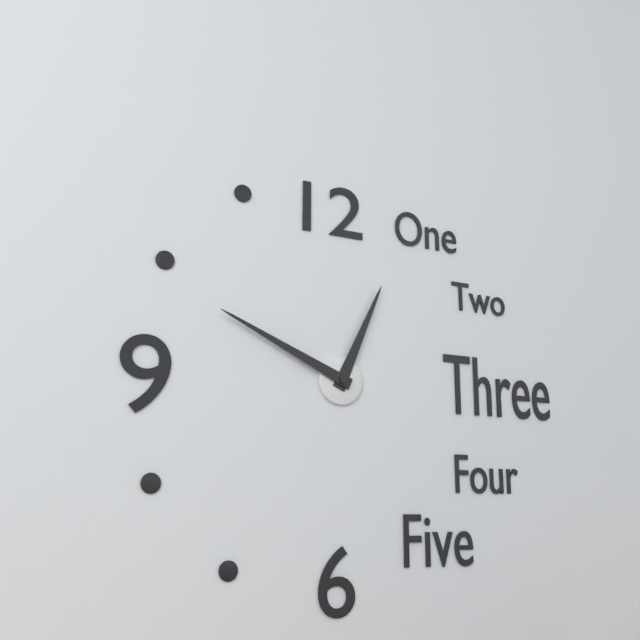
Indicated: 12 h 49 min
